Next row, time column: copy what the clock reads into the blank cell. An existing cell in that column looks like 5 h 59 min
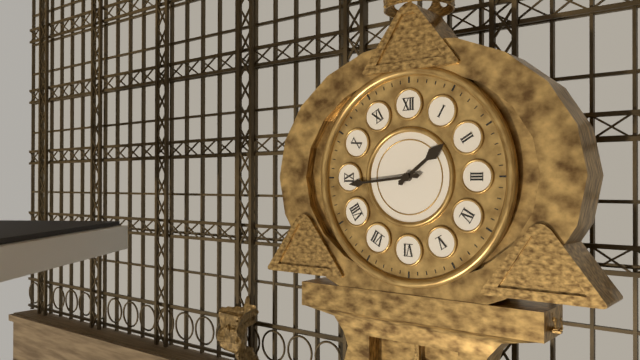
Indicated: 1 h 44 min
